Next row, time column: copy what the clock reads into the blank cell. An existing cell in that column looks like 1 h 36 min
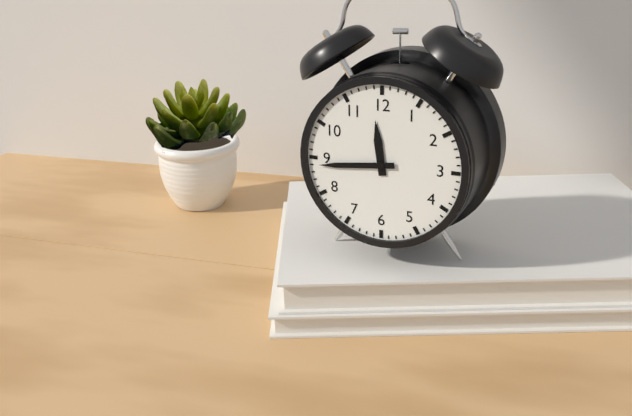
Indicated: 11 h 44 min
